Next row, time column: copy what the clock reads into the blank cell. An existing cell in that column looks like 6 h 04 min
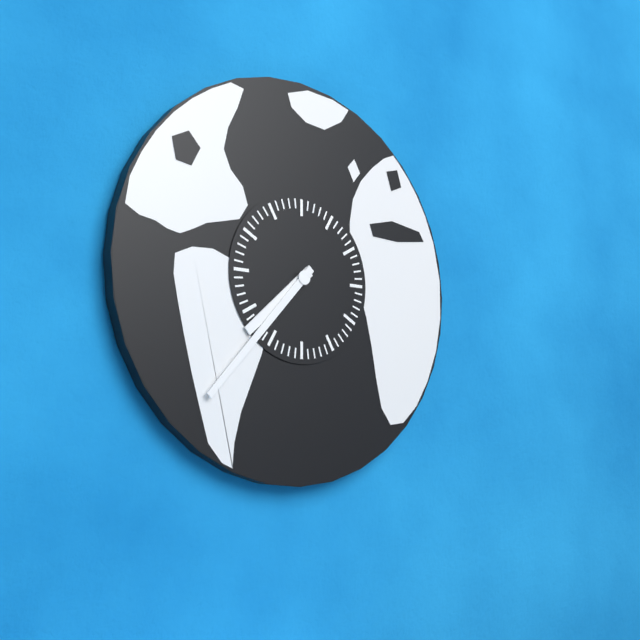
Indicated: 7 h 37 min
